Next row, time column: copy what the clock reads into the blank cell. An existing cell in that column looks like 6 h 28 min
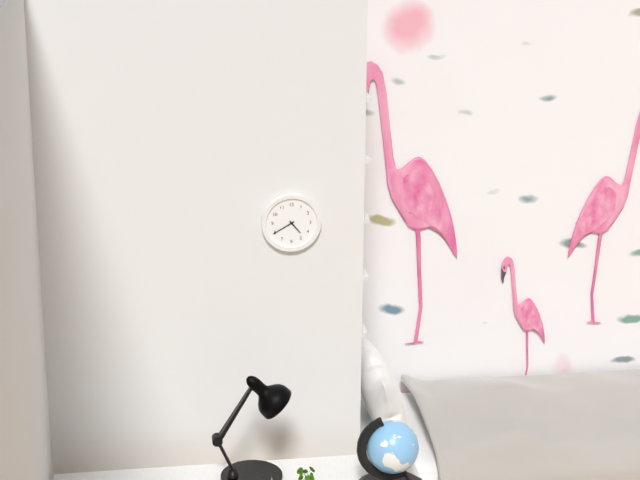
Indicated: 4 h 40 min
